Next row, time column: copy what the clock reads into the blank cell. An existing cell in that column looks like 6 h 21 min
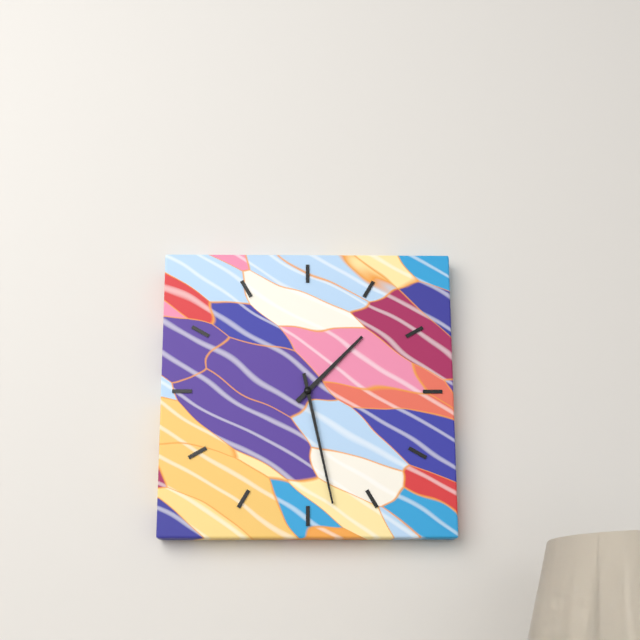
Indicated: 1 h 28 min
